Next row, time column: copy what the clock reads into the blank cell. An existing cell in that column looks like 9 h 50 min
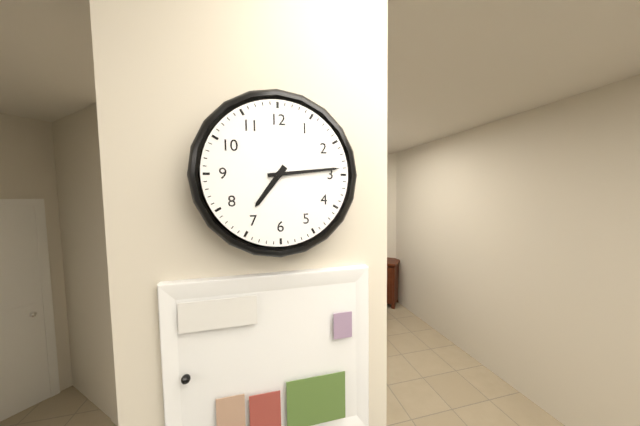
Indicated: 7 h 14 min
